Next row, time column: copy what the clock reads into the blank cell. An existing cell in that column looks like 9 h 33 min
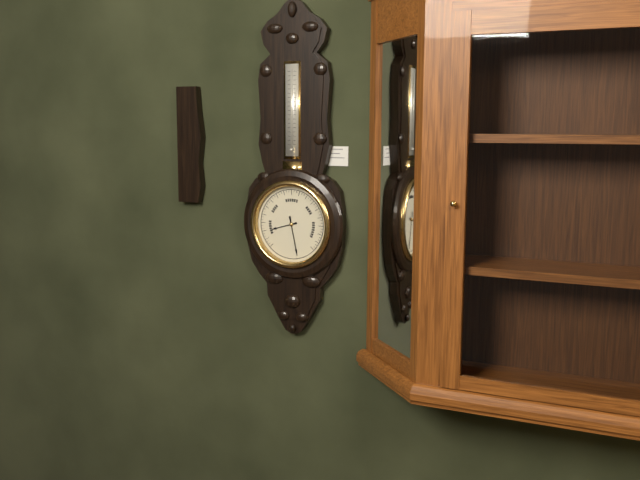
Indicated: 8 h 28 min
